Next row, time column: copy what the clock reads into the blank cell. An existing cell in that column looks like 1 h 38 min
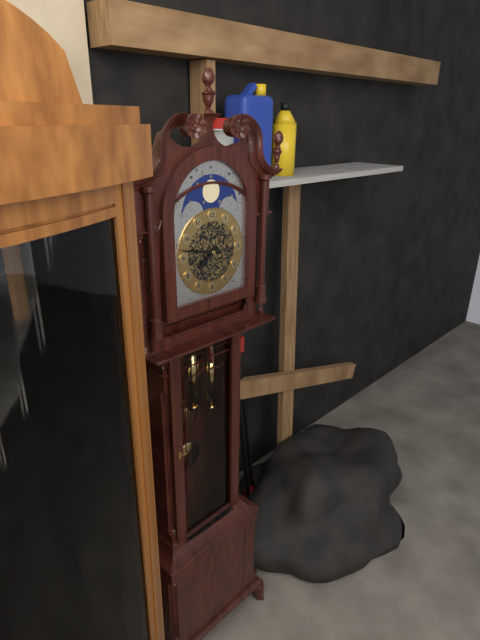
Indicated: 7 h 47 min
